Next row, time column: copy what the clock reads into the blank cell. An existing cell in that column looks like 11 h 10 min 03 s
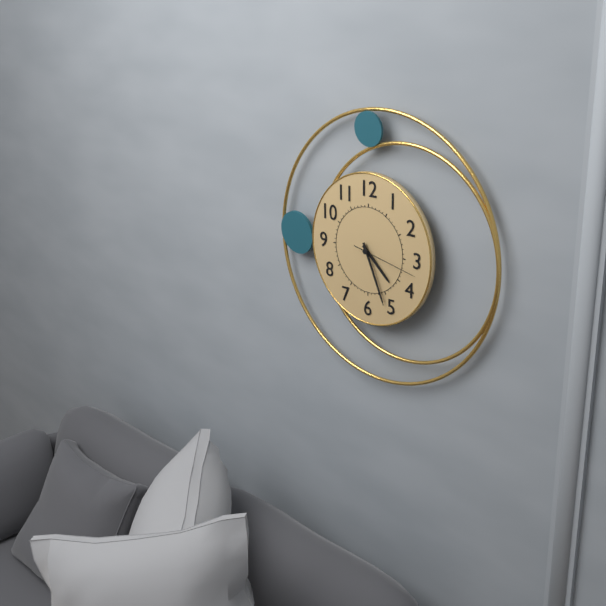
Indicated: 4 h 26 min 17 s
